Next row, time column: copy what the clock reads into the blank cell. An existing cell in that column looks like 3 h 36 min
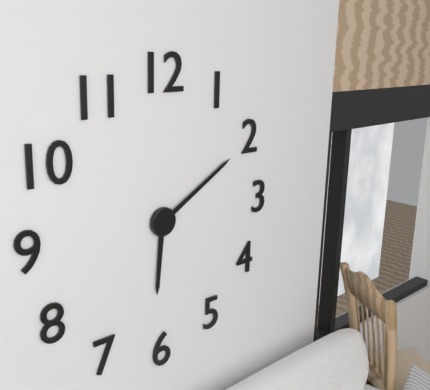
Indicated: 6 h 10 min
